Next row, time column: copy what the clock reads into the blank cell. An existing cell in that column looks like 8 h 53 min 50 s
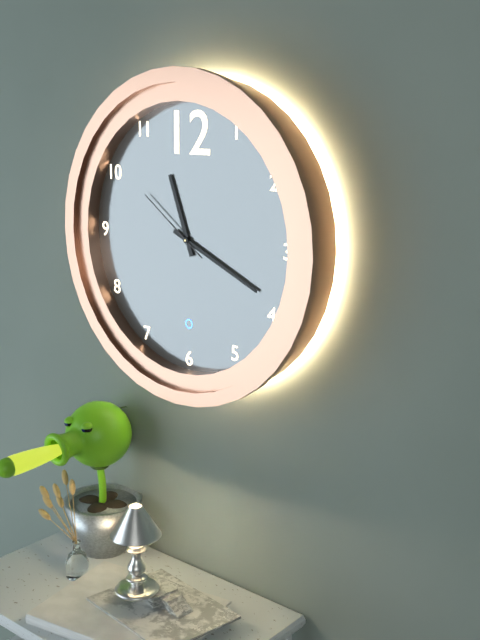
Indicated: 11 h 19 min 51 s
